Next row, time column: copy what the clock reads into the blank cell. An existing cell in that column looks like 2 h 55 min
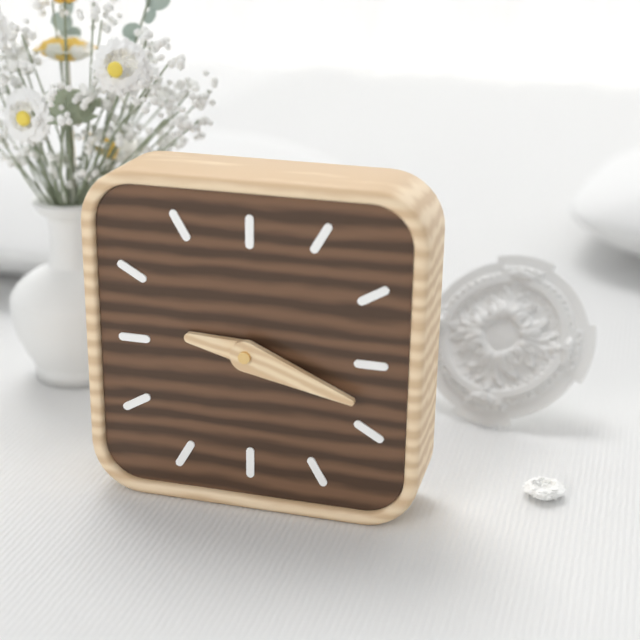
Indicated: 9 h 18 min
